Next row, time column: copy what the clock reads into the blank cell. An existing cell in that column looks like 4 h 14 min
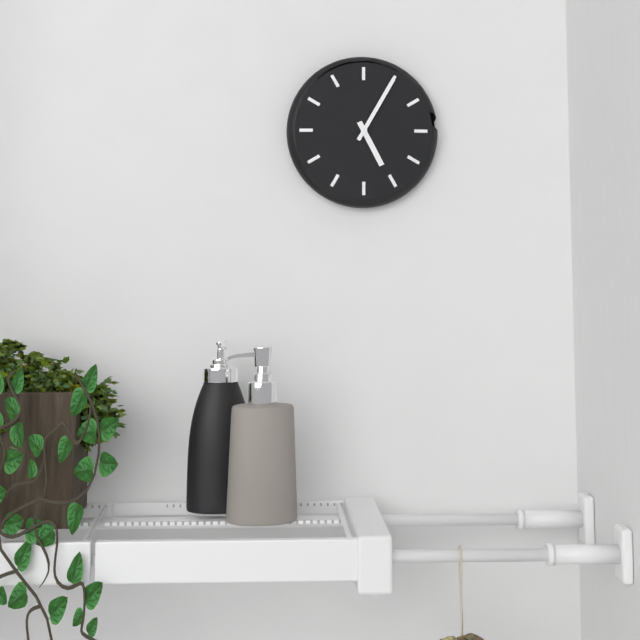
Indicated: 5 h 05 min
